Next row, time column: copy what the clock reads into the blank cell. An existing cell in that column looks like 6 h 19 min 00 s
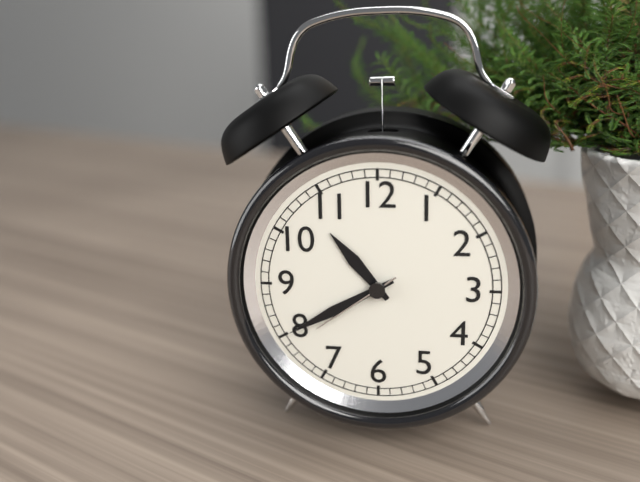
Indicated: 10 h 40 min 39 s
